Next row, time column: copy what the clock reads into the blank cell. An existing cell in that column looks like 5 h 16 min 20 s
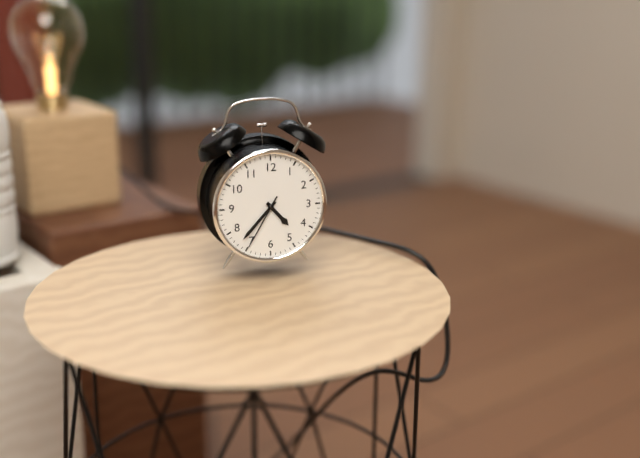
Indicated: 4 h 37 min 35 s
